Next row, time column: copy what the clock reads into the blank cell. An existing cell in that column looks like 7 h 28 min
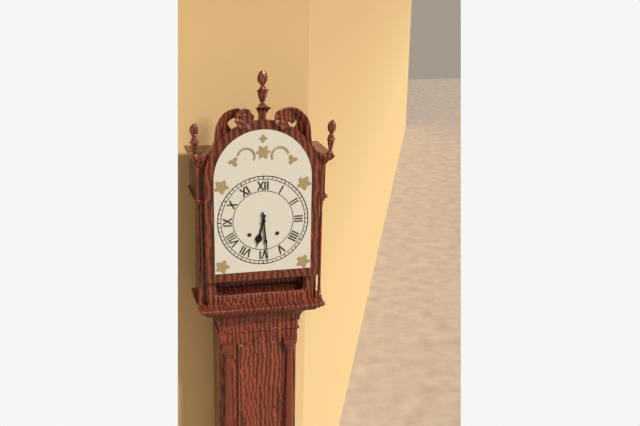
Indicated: 6 h 29 min
